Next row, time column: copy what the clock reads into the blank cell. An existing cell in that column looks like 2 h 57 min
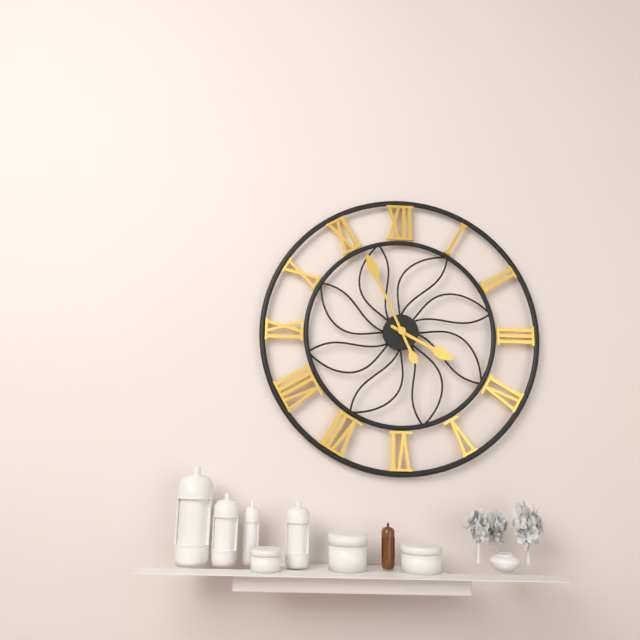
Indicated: 3 h 56 min
